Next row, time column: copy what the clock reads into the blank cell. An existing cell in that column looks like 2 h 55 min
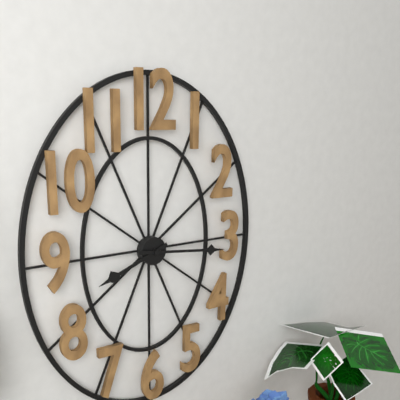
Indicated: 8 h 16 min
